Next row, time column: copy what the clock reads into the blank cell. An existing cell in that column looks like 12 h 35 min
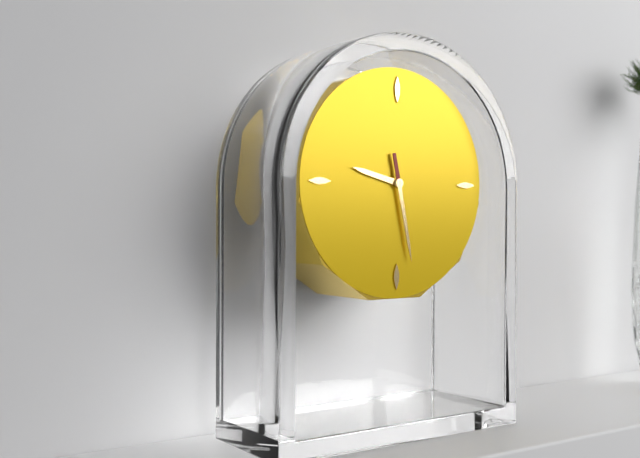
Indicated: 9 h 28 min
